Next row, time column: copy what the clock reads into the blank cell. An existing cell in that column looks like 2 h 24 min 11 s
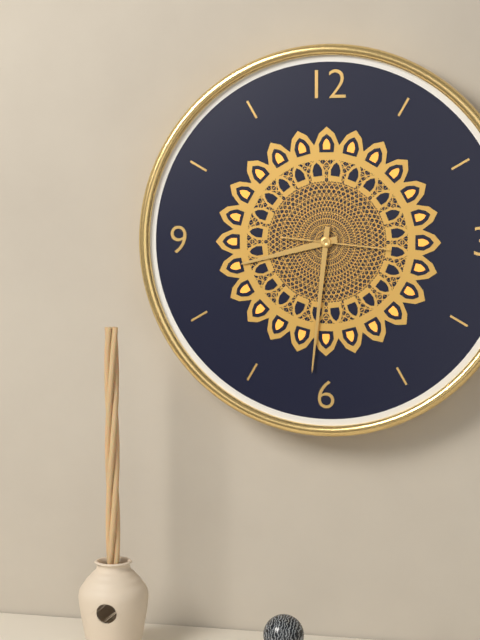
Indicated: 8 h 31 min 16 s
